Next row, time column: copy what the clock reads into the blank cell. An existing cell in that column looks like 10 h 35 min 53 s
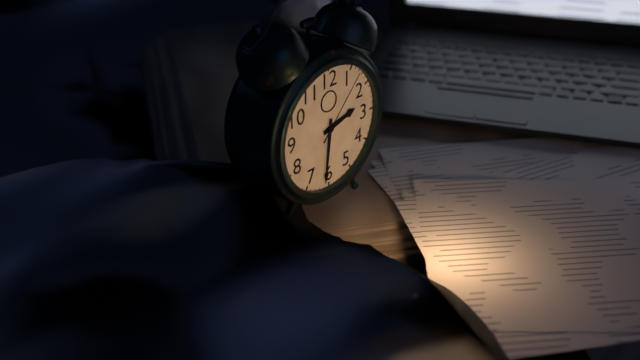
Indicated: 2 h 31 min 07 s
